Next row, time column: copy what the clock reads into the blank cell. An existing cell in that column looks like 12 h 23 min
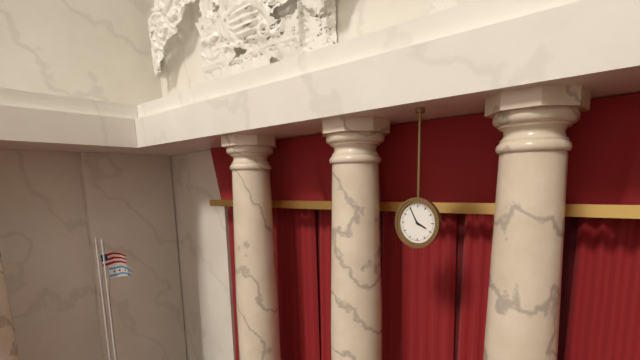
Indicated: 3 h 55 min
